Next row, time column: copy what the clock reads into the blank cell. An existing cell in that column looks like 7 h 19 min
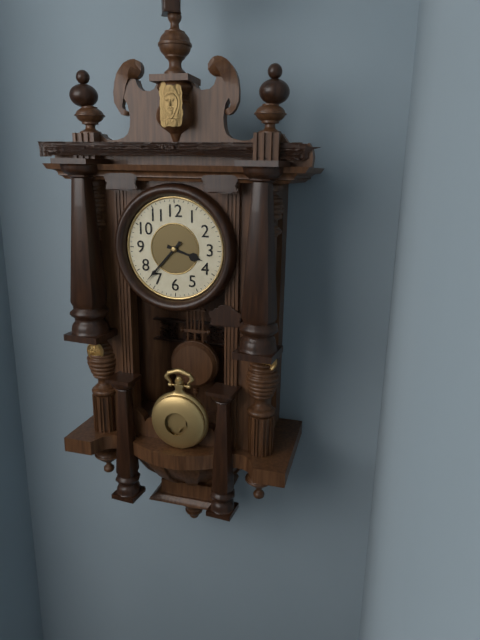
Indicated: 3 h 37 min
